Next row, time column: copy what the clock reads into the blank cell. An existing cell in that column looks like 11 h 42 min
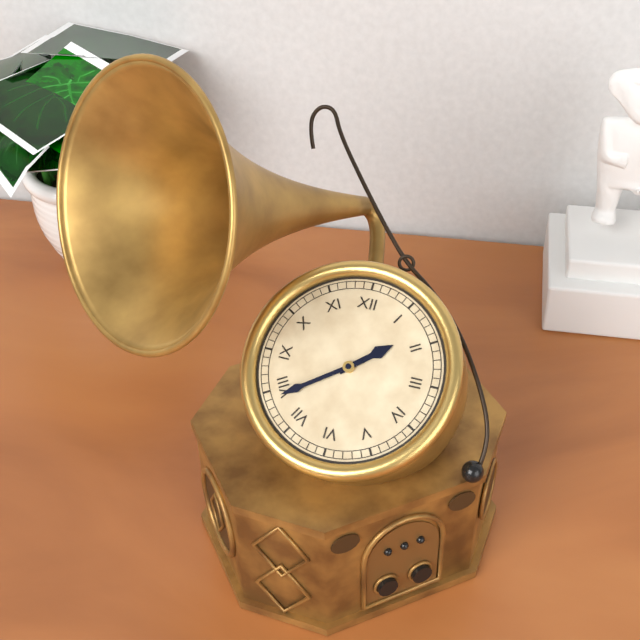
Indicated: 1 h 39 min
